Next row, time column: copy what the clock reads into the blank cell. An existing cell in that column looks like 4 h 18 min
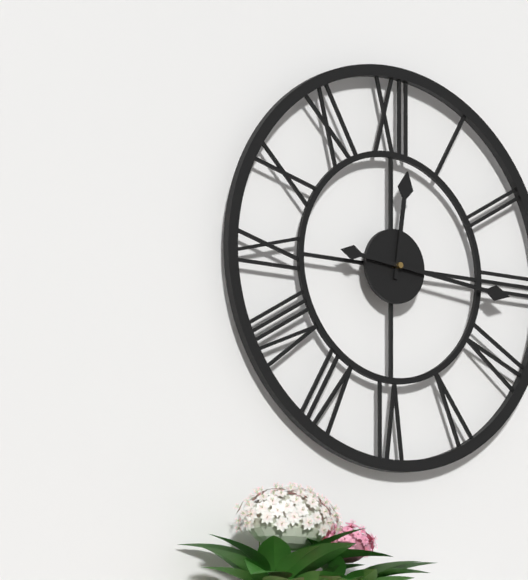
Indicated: 12 h 16 min
